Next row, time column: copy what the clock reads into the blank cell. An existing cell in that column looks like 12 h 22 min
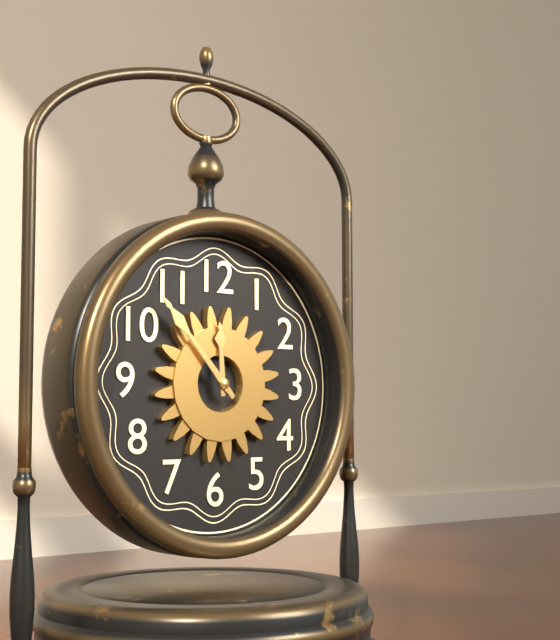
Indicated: 11 h 53 min
